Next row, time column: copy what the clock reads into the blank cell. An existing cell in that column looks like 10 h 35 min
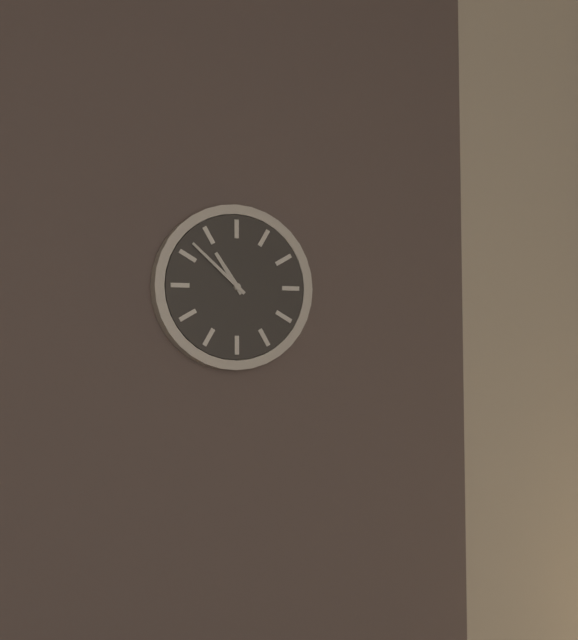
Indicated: 10 h 52 min
